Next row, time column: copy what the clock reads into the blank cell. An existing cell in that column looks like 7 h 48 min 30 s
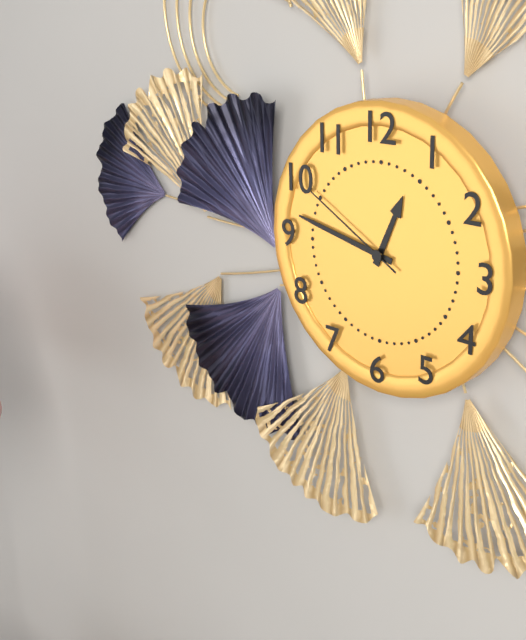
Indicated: 12 h 47 min 50 s
